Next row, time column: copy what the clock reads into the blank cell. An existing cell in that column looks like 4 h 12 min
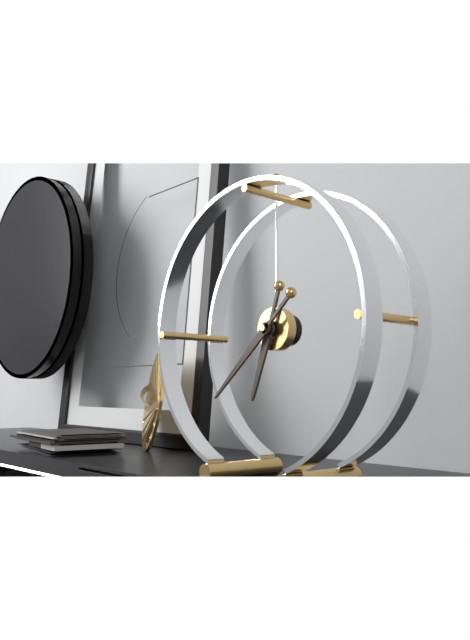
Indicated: 6 h 38 min
